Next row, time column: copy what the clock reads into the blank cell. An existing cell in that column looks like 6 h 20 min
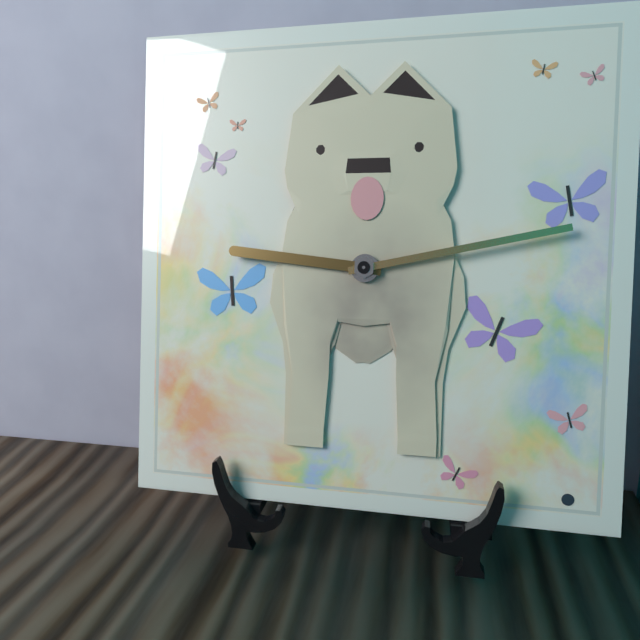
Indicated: 9 h 13 min
